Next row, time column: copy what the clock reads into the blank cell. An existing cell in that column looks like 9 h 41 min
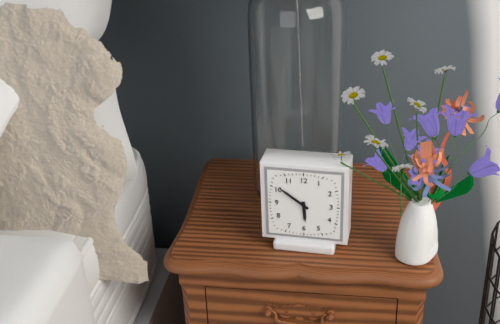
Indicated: 5 h 51 min
